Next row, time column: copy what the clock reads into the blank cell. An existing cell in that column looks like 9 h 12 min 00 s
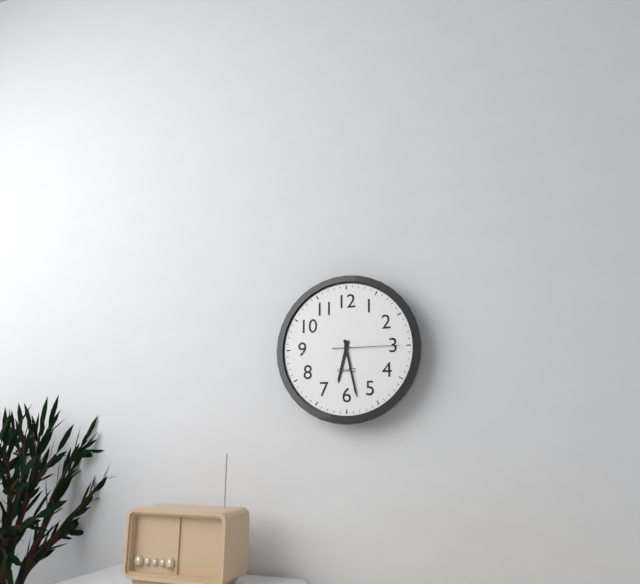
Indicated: 6 h 28 min 15 s
